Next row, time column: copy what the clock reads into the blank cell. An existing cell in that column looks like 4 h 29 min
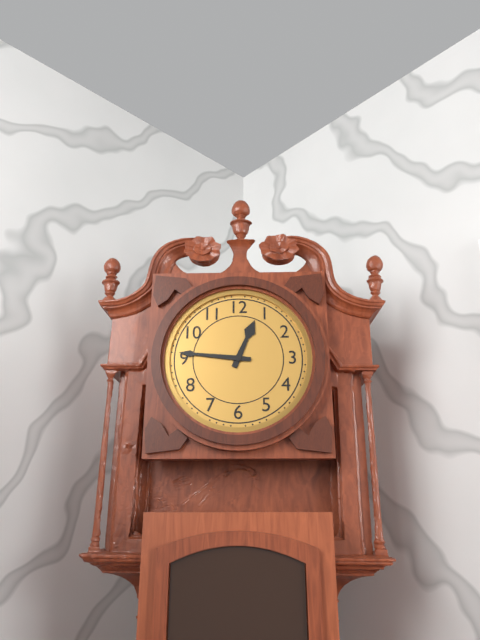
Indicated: 12 h 46 min
